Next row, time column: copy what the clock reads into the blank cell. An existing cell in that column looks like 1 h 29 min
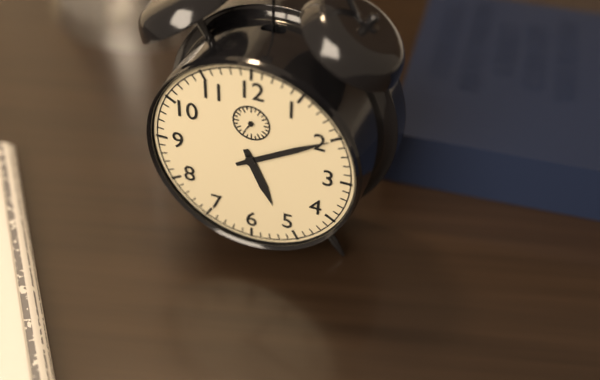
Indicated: 5 h 10 min
